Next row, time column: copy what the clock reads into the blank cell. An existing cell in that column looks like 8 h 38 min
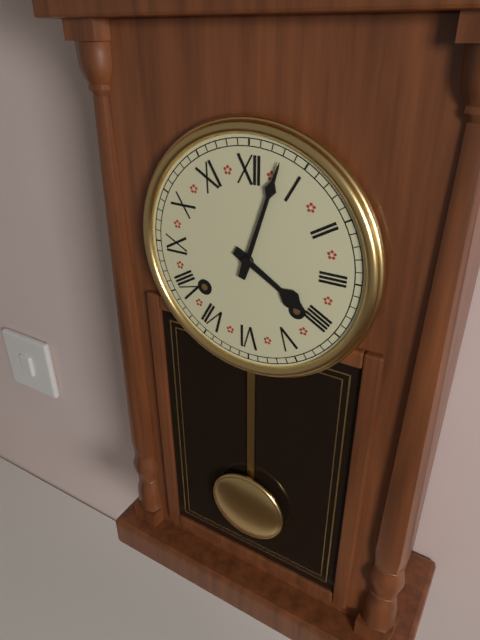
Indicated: 4 h 03 min
